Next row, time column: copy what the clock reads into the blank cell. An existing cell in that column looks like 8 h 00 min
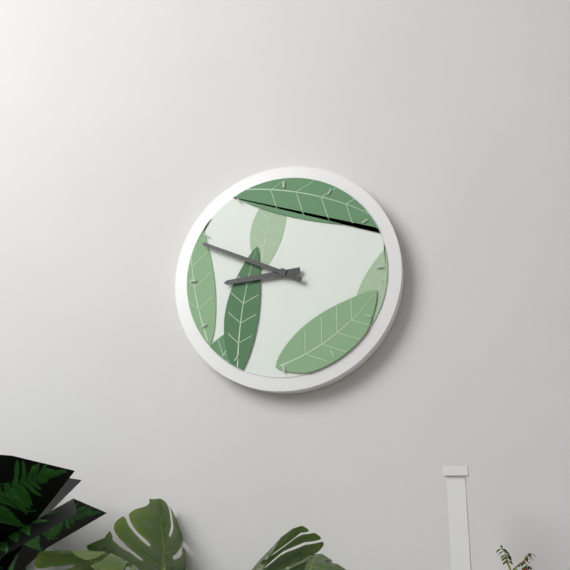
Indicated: 8 h 49 min
